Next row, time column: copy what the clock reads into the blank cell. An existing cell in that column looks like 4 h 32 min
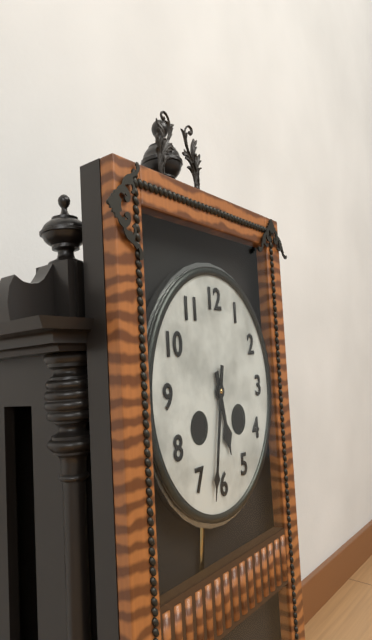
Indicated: 5 h 32 min
